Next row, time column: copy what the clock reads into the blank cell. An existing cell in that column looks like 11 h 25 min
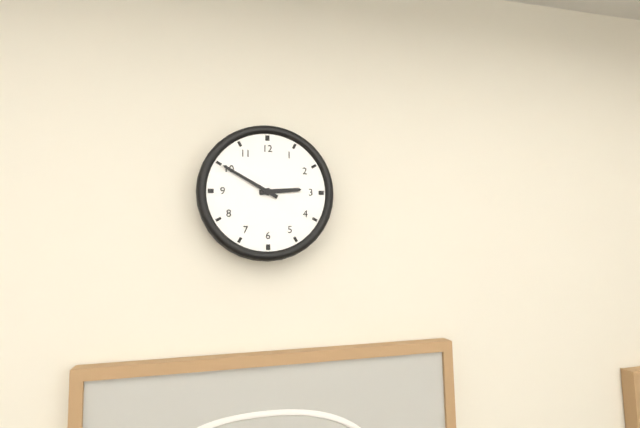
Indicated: 2 h 50 min
